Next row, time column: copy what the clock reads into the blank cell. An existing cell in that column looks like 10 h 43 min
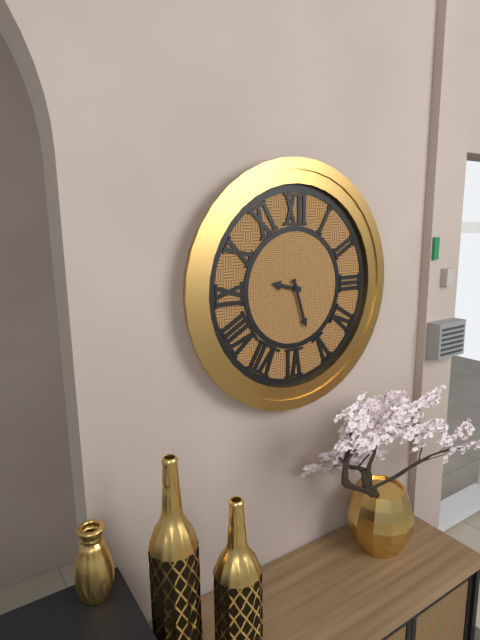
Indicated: 9 h 27 min
